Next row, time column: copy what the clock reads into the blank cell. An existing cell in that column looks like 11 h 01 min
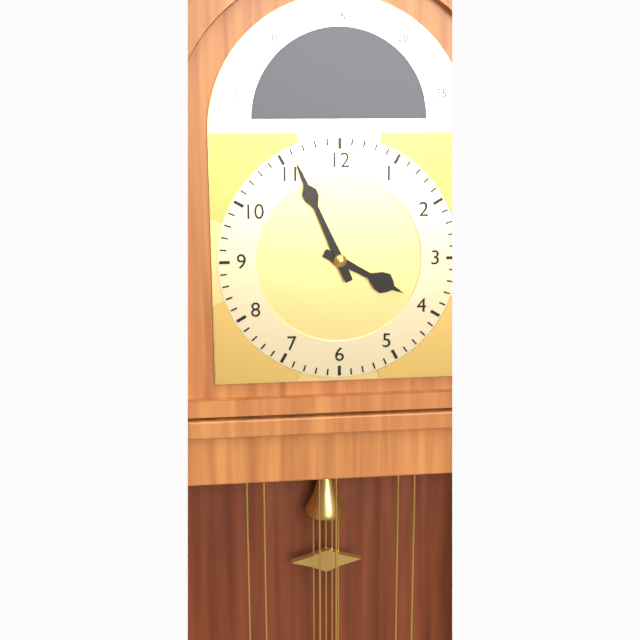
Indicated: 3 h 56 min
